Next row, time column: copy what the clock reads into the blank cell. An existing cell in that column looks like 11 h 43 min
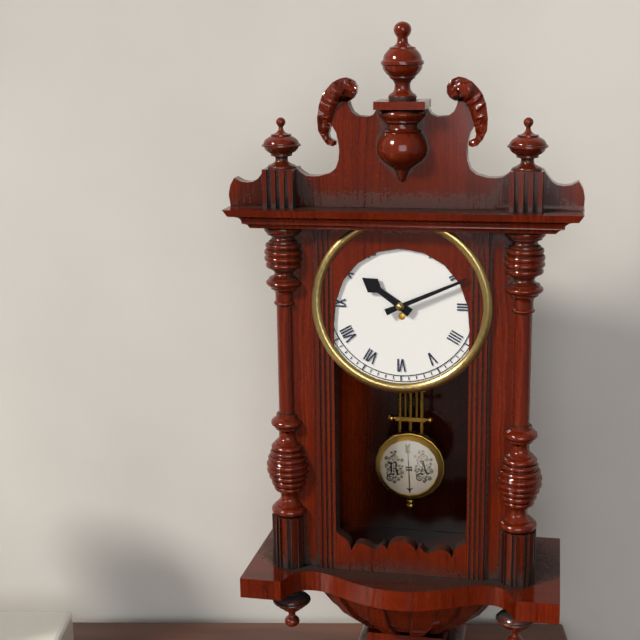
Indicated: 10 h 11 min
